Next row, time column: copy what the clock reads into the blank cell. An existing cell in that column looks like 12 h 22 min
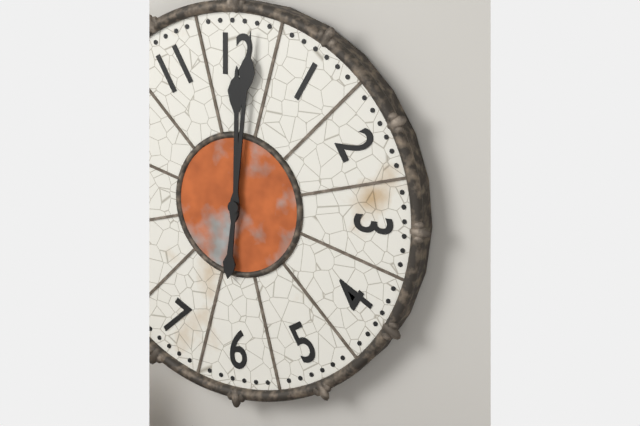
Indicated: 12 h 01 min
